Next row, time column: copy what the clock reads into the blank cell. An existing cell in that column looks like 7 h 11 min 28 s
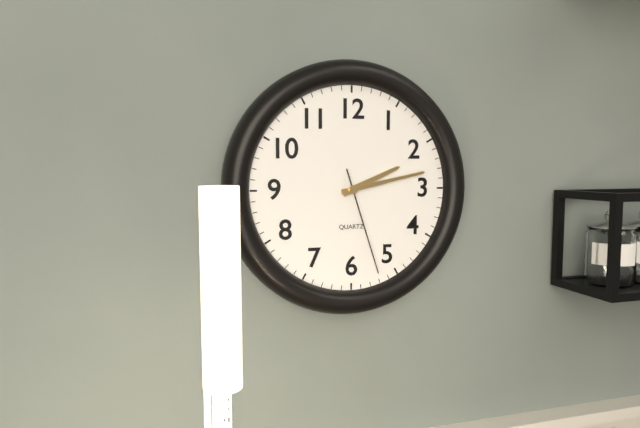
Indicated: 2 h 13 min 27 s
